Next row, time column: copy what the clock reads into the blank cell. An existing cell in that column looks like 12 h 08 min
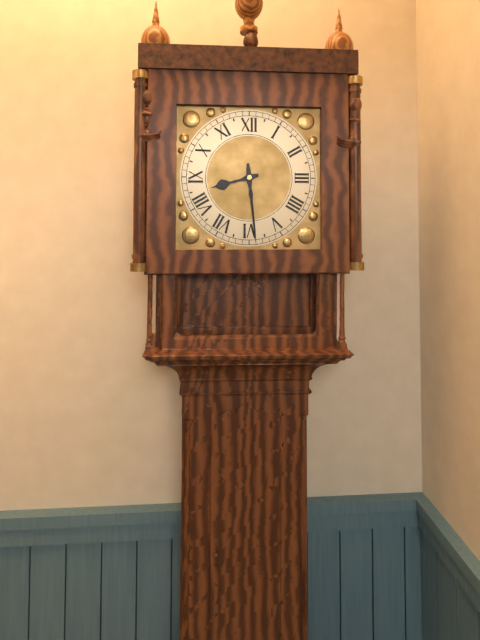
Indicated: 8 h 29 min
